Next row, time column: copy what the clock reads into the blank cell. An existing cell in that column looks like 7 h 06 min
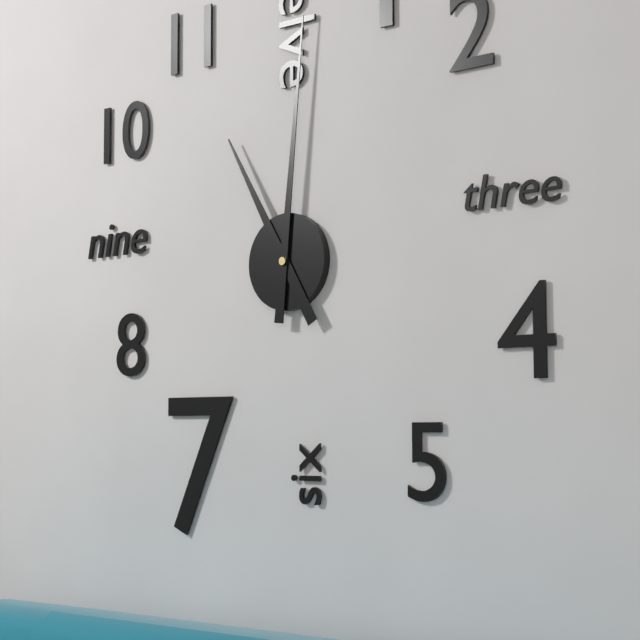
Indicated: 11 h 01 min
